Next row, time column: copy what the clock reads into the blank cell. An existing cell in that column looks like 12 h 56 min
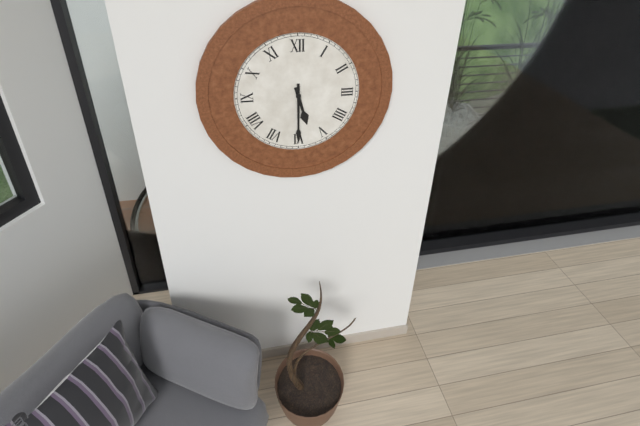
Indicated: 5 h 30 min
